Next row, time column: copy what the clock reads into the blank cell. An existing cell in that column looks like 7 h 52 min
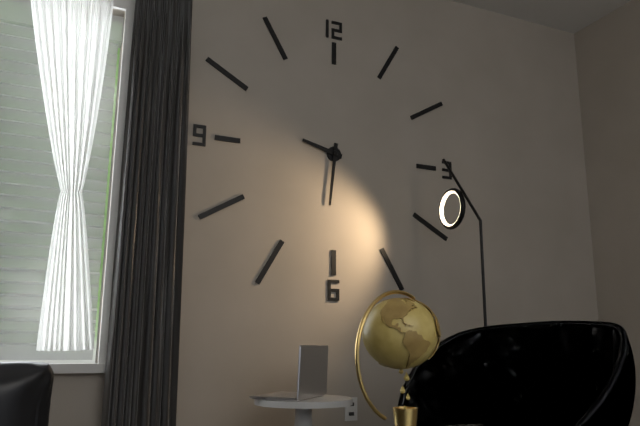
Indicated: 9 h 31 min
